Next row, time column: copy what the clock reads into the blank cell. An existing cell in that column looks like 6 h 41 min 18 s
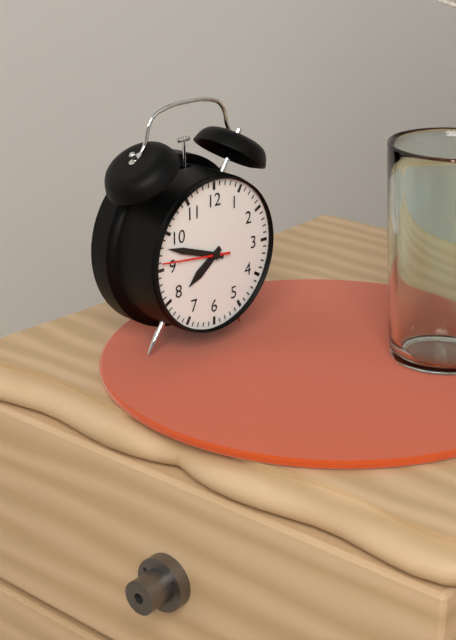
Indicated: 7 h 48 min 46 s
